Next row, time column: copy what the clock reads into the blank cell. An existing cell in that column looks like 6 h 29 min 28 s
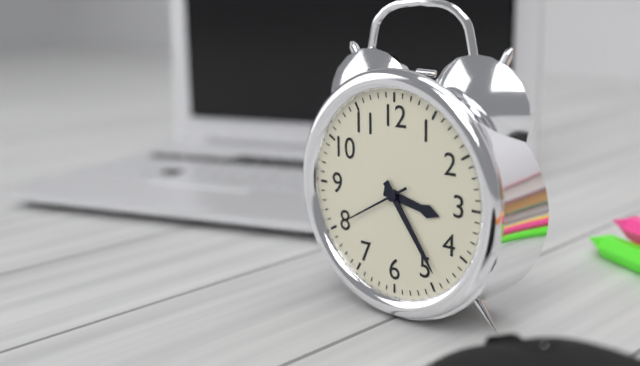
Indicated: 3 h 24 min 40 s
